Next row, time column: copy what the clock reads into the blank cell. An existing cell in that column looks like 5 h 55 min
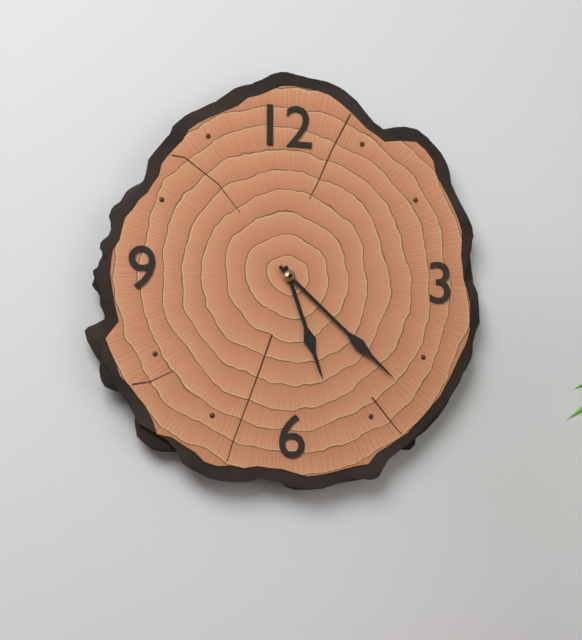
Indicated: 5 h 22 min
